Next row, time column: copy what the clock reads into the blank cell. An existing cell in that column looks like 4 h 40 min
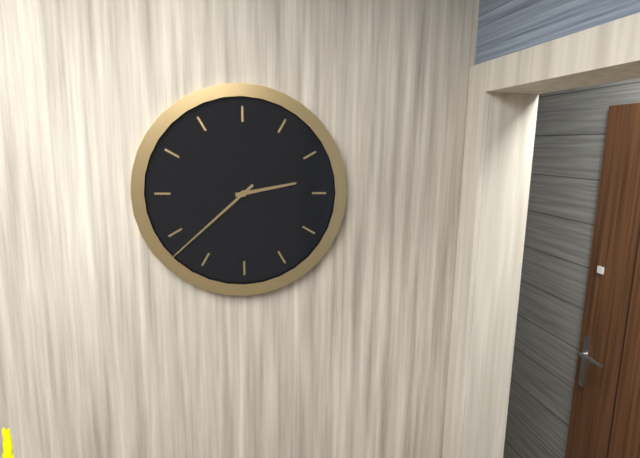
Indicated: 2 h 38 min
